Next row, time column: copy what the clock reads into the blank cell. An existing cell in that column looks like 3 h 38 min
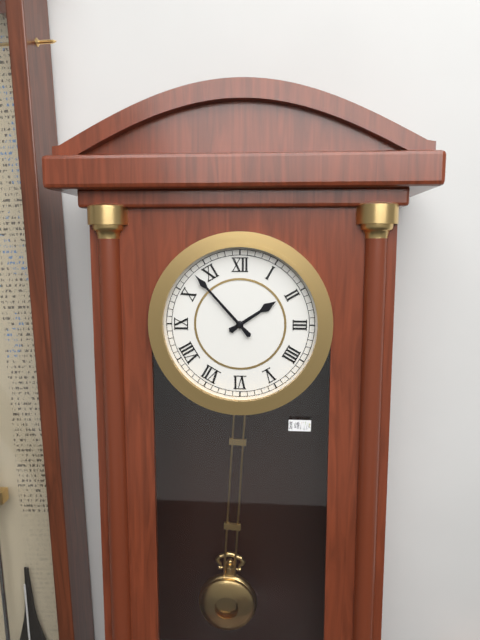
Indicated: 1 h 53 min
